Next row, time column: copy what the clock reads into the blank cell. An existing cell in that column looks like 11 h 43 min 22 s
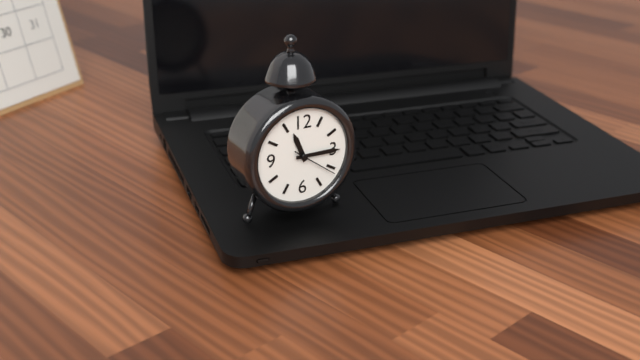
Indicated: 11 h 15 min 21 s
